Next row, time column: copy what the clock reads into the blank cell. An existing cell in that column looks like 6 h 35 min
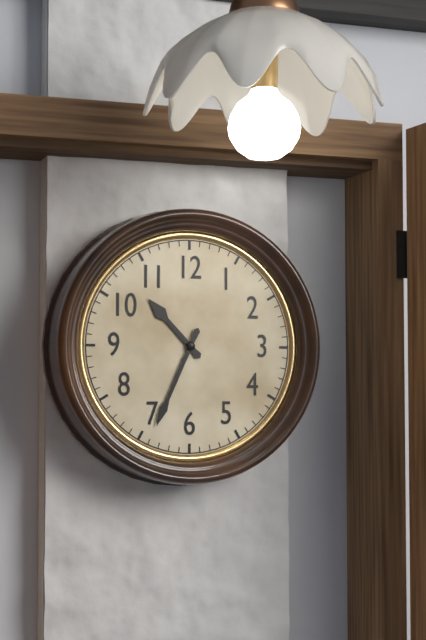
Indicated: 10 h 34 min
